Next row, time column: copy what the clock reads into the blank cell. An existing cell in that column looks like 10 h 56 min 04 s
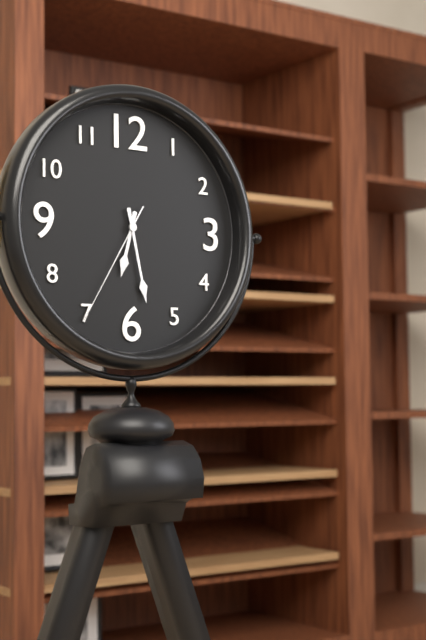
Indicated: 6 h 28 min 35 s
